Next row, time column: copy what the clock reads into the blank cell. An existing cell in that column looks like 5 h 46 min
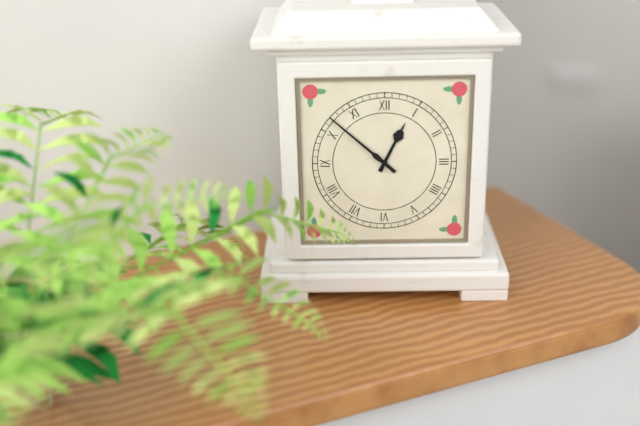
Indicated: 12 h 52 min
